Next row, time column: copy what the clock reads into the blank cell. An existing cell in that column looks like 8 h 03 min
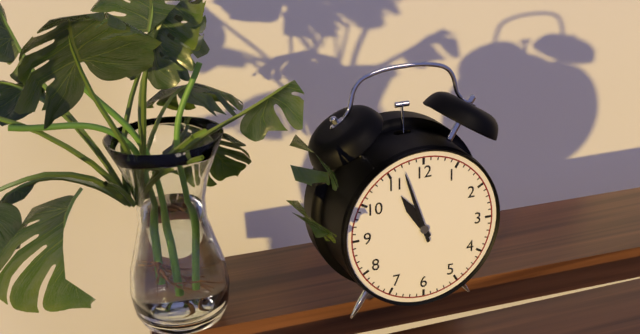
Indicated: 10 h 57 min
